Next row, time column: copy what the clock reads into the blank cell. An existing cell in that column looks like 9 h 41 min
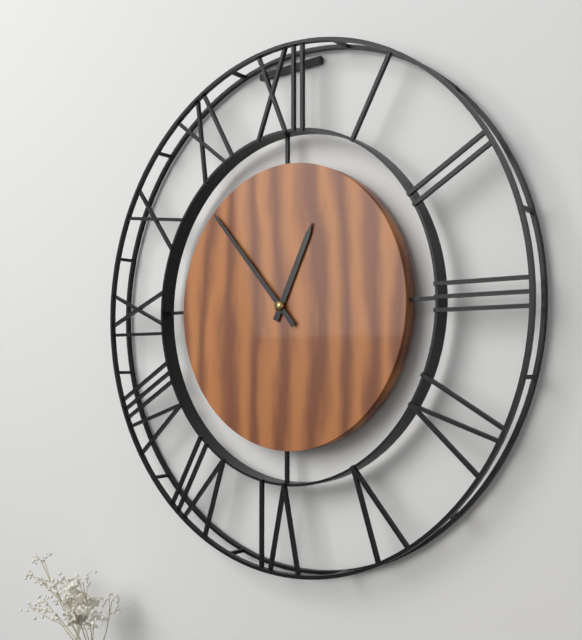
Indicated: 12 h 53 min
